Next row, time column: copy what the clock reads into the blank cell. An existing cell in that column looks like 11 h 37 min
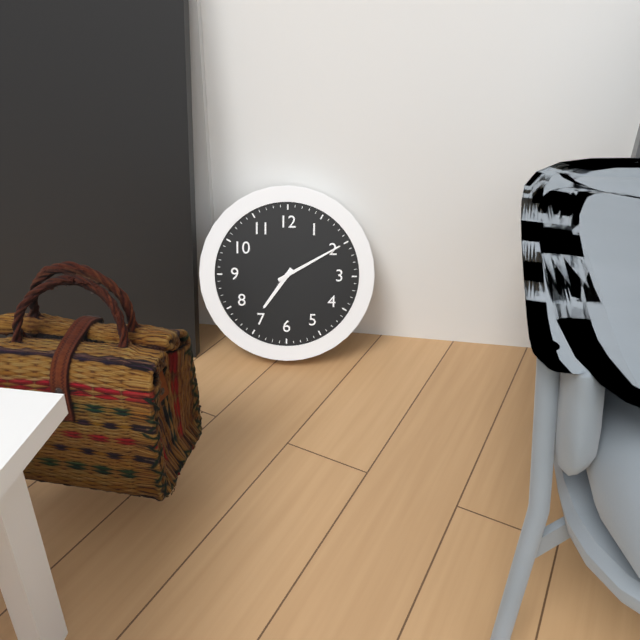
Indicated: 7 h 10 min
